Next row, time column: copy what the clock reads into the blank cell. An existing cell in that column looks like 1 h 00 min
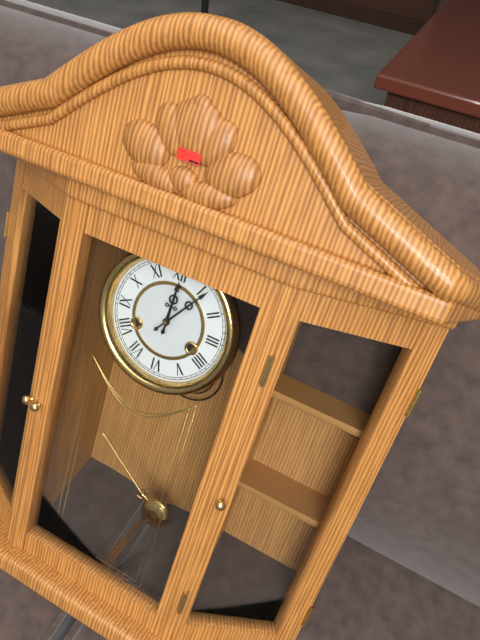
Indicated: 12 h 06 min
